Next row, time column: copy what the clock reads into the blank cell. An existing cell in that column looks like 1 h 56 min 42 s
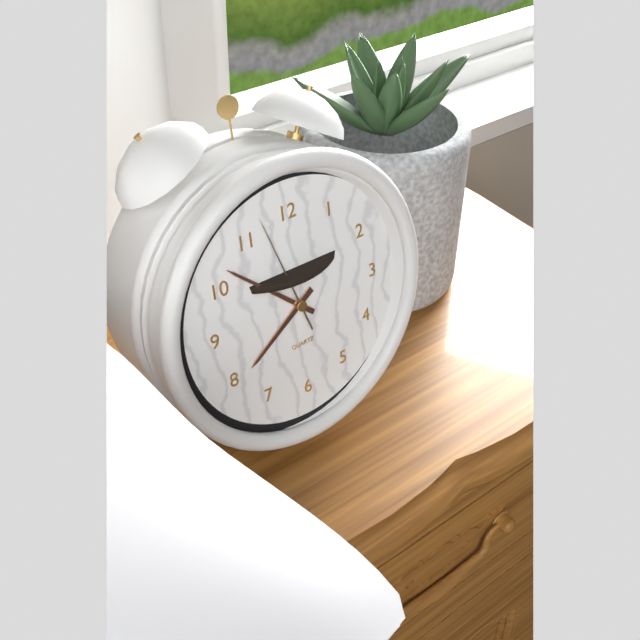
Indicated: 7 h 52 min 57 s
